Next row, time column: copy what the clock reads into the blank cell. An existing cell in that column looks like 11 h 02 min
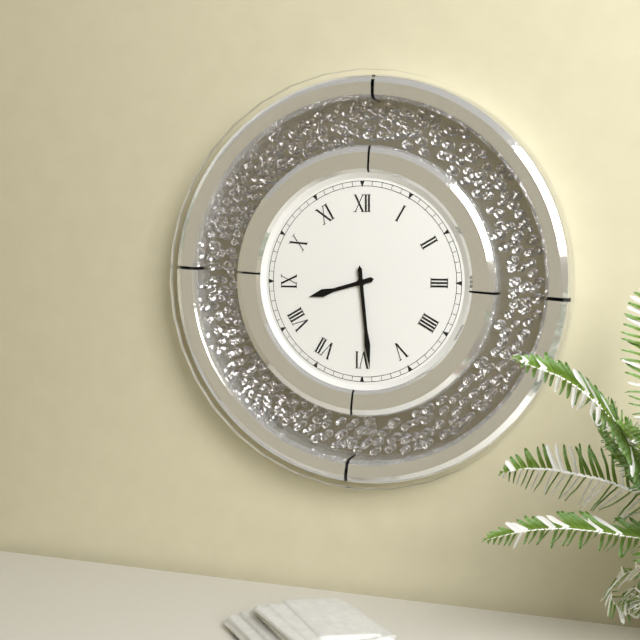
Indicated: 8 h 29 min
